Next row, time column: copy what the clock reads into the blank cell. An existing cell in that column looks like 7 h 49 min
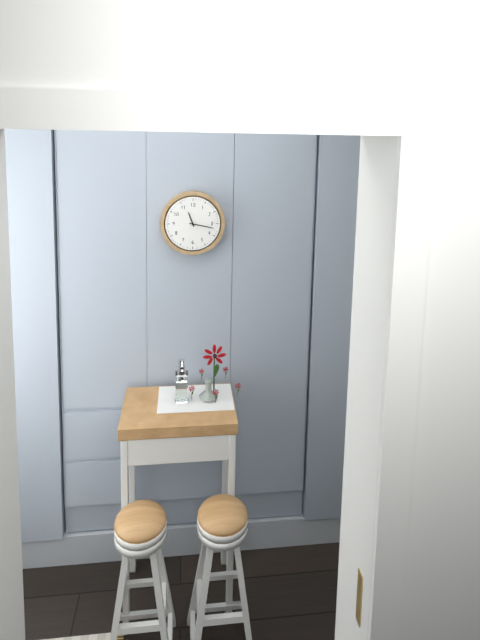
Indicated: 11 h 17 min
